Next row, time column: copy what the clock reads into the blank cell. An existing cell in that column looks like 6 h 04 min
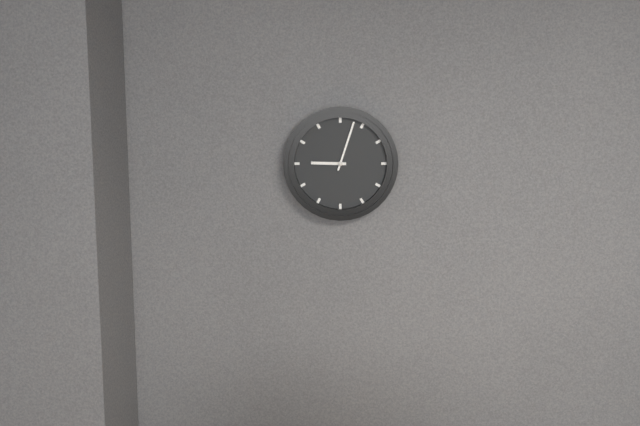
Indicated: 9 h 03 min
